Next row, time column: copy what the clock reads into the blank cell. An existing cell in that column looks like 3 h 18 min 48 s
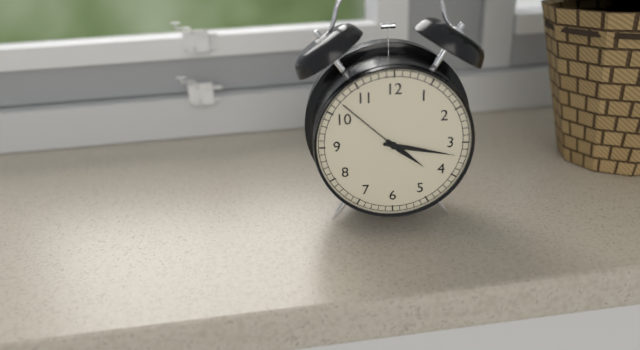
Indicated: 4 h 17 min 52 s
